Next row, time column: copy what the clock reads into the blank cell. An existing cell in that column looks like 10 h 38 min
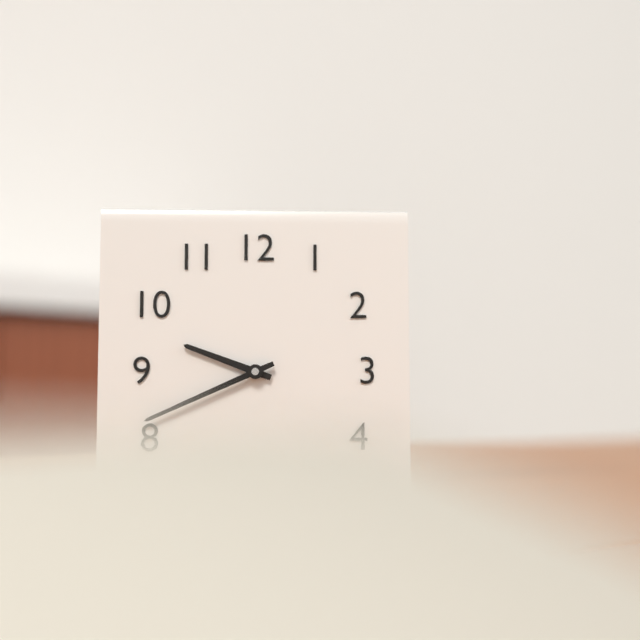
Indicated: 9 h 41 min
